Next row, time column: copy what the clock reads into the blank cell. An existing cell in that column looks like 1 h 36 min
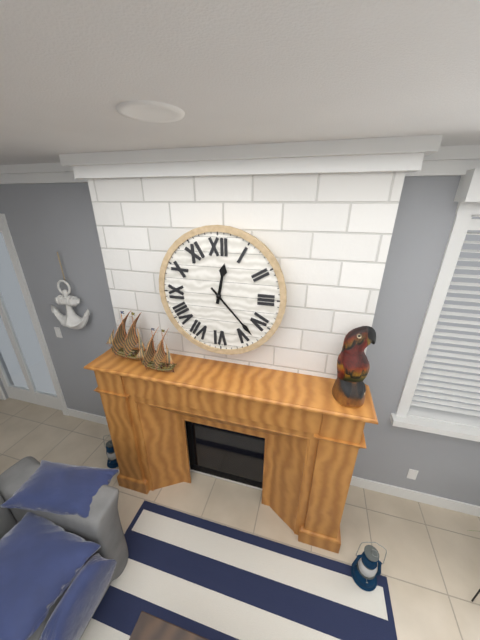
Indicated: 12 h 23 min
